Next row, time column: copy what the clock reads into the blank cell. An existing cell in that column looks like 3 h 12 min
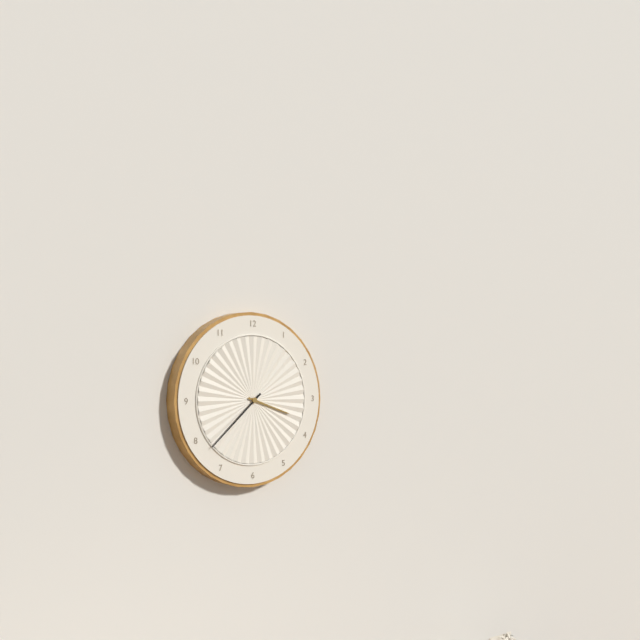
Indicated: 3 h 38 min
